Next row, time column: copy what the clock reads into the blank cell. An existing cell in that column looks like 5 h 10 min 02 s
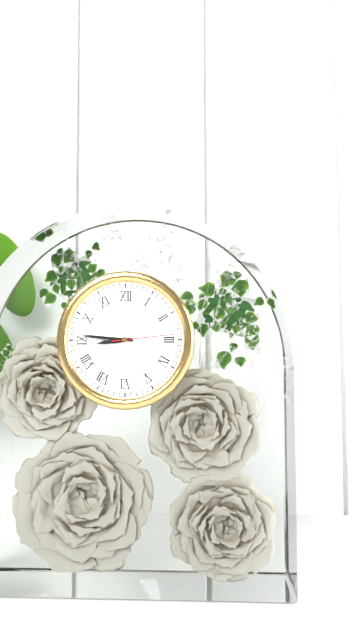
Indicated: 8 h 46 min 14 s
